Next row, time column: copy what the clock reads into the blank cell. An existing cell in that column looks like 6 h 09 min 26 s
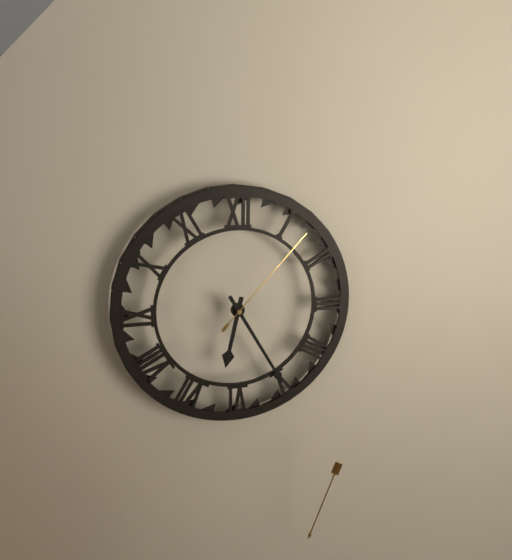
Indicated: 6 h 25 min 07 s
